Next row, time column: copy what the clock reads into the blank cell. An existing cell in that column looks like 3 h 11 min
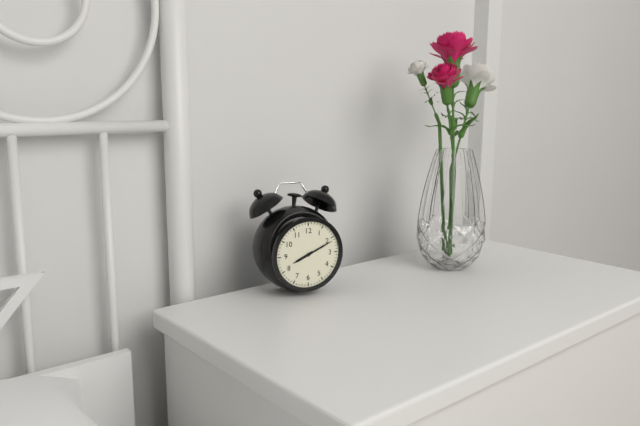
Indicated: 8 h 11 min
